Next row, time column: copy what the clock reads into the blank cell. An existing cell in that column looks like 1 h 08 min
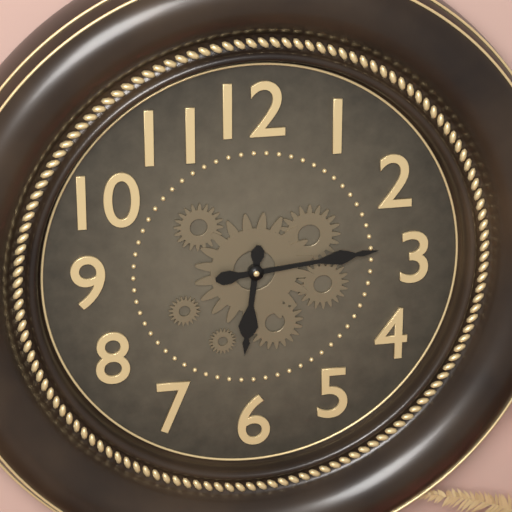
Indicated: 6 h 14 min
